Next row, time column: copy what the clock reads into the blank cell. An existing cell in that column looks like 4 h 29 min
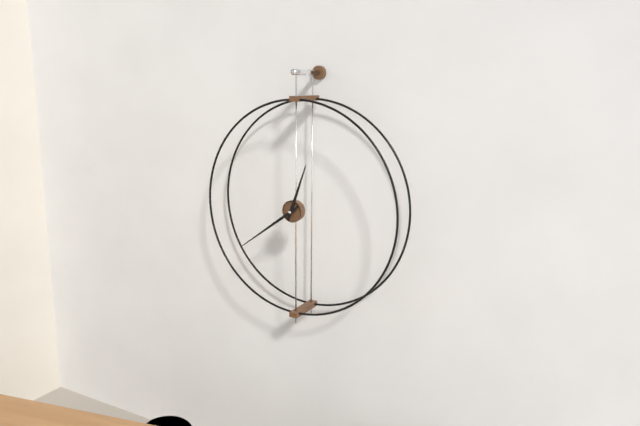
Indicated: 12 h 39 min
